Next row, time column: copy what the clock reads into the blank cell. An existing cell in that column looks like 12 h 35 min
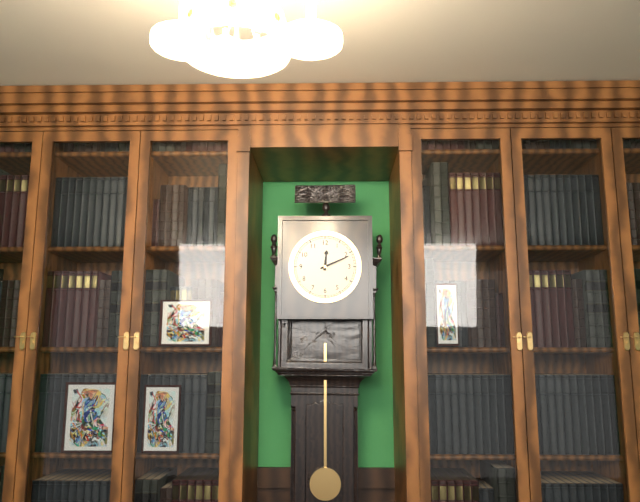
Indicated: 12 h 11 min
